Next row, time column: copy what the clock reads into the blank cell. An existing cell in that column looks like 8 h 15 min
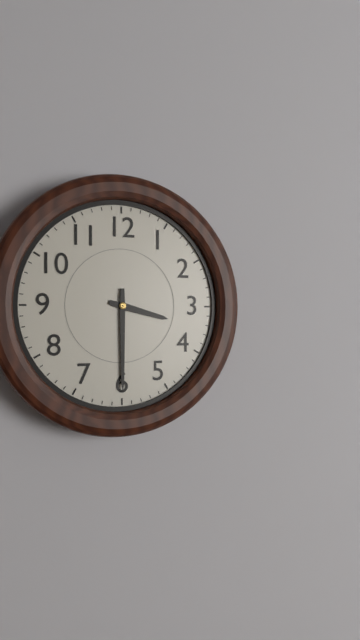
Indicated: 3 h 30 min
